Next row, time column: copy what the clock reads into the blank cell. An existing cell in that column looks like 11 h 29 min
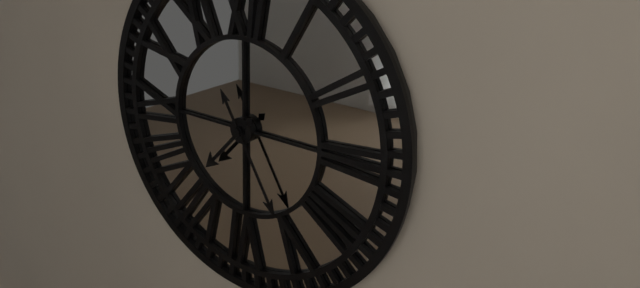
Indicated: 7 h 25 min
